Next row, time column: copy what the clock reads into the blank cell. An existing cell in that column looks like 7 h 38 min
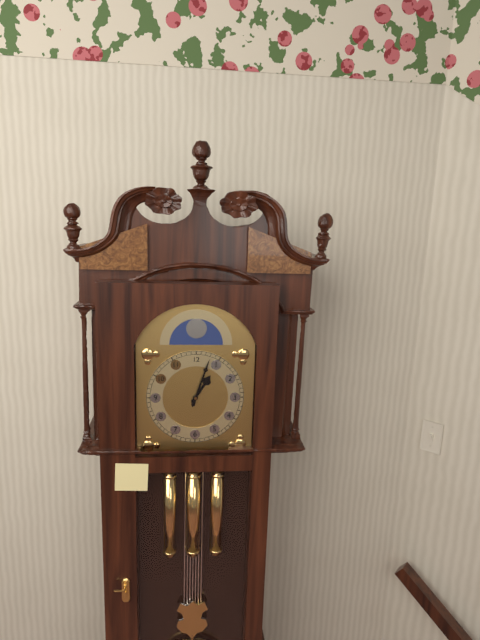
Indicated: 1 h 03 min
